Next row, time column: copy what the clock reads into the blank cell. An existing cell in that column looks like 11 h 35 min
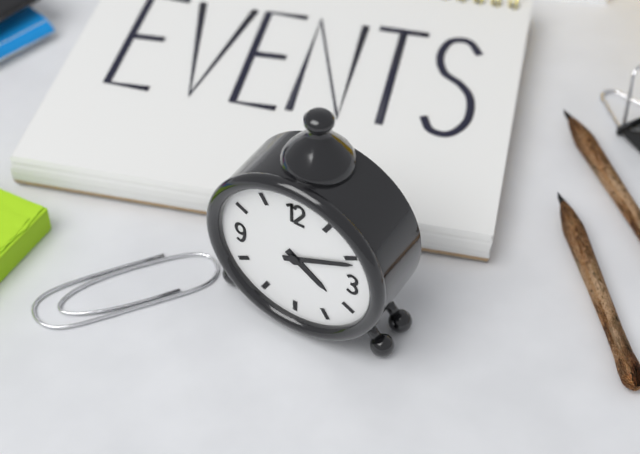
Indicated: 4 h 11 min
